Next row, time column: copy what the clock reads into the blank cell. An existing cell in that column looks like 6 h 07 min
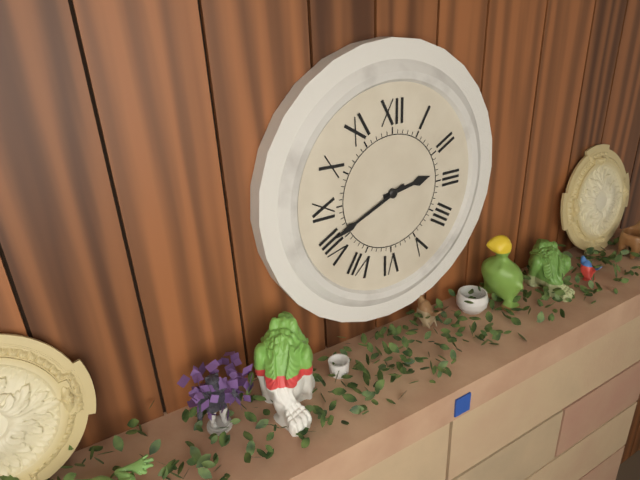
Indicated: 2 h 41 min
